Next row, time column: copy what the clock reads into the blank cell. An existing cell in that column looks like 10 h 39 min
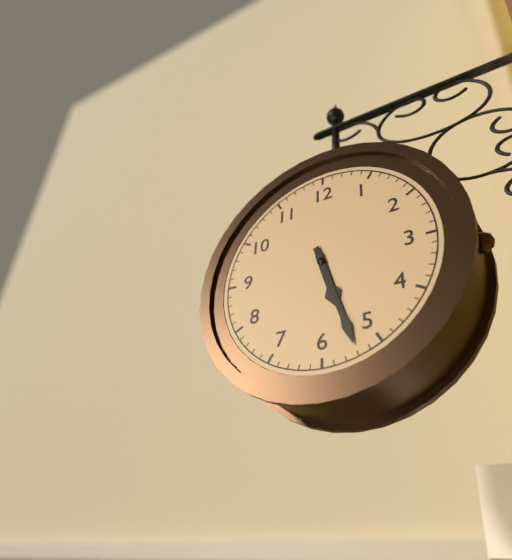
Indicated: 5 h 27 min
